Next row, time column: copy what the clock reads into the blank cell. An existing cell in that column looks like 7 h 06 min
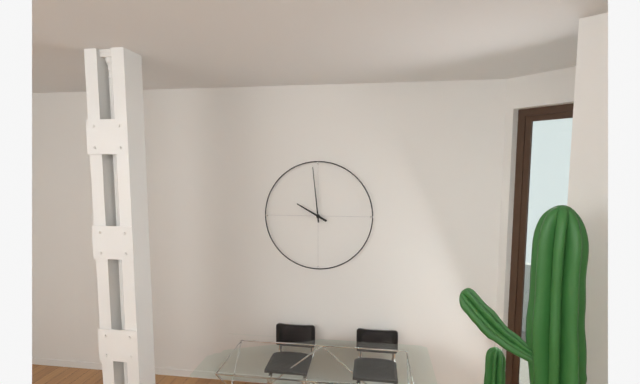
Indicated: 9 h 59 min
